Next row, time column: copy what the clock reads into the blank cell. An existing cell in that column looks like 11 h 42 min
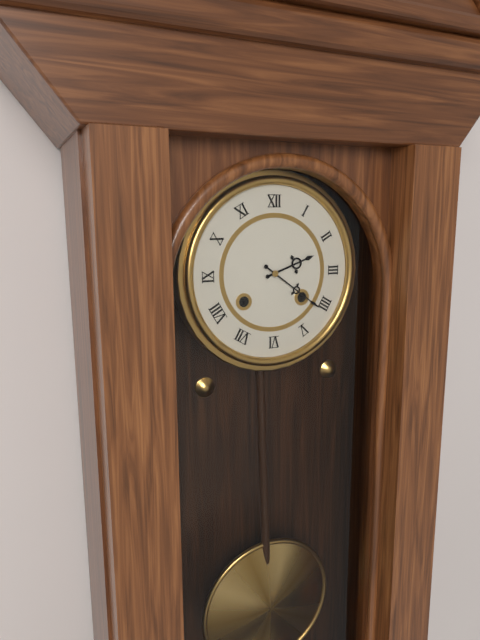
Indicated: 2 h 21 min
